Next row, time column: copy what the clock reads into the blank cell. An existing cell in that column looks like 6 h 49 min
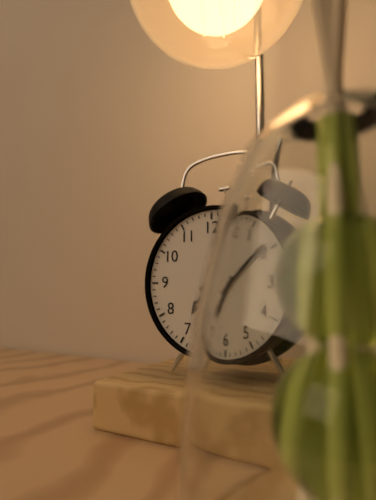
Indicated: 7 h 09 min
